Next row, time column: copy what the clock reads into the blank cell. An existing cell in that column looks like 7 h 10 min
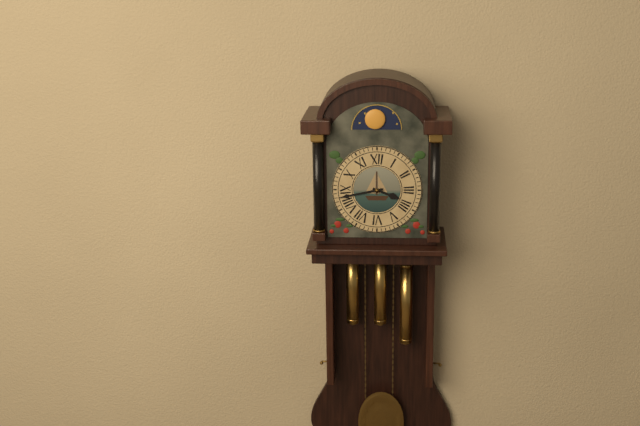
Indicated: 3 h 43 min
